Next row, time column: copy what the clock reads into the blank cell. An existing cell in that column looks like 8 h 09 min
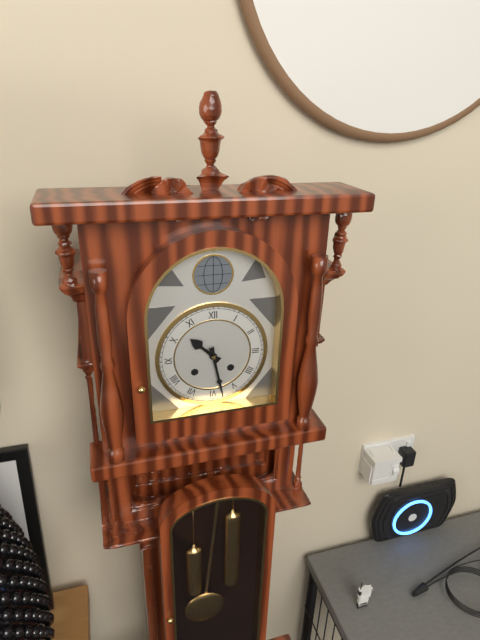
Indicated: 10 h 28 min
